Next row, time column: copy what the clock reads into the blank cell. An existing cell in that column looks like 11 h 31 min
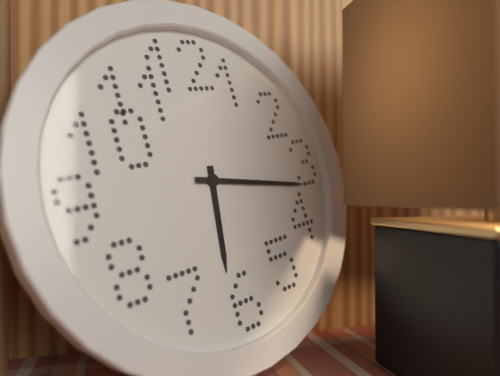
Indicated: 6 h 17 min
